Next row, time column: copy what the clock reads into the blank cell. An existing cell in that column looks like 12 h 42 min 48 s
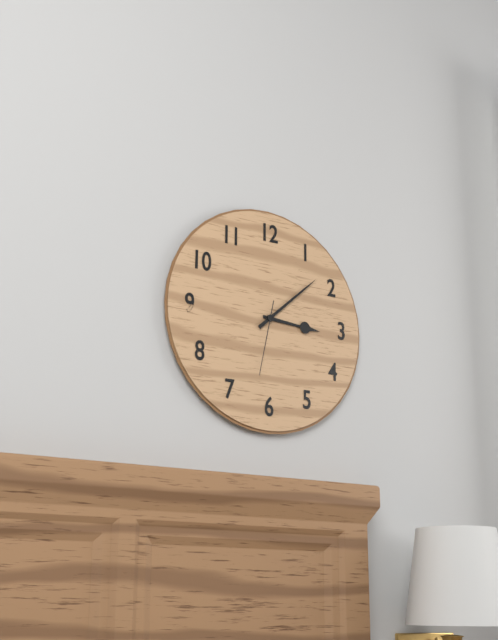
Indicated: 3 h 08 min 32 s
